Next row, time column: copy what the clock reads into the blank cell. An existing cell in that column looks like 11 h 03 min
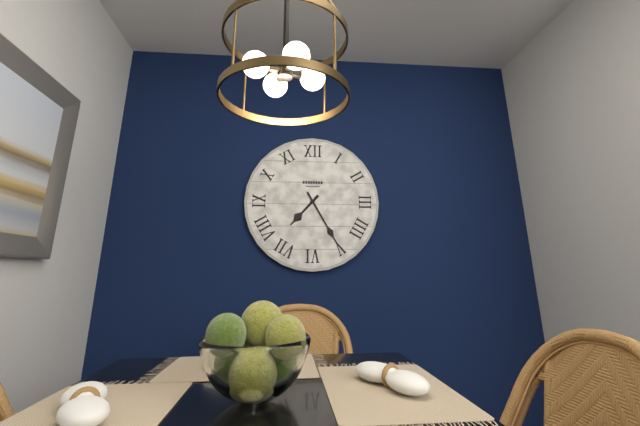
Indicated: 7 h 25 min
